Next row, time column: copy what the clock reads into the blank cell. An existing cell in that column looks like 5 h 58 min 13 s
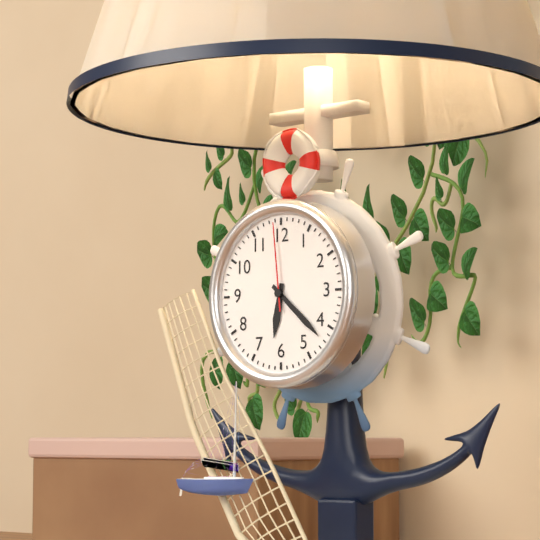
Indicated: 6 h 22 min 59 s
